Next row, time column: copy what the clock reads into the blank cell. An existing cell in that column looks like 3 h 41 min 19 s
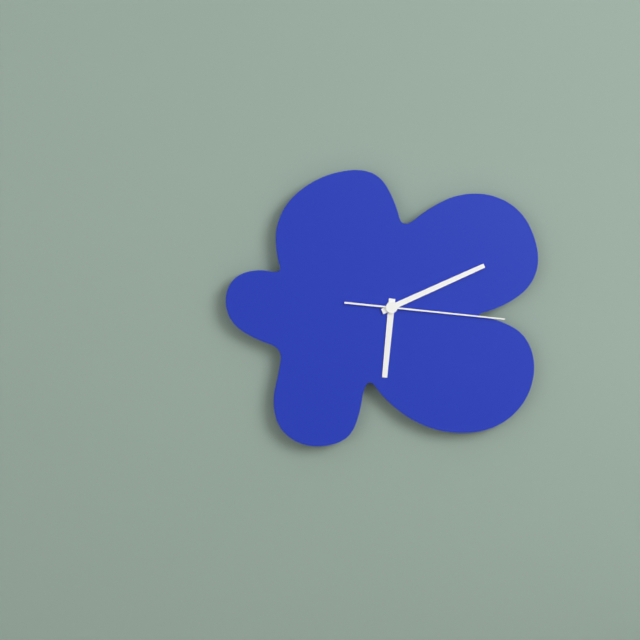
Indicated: 6 h 11 min 16 s
